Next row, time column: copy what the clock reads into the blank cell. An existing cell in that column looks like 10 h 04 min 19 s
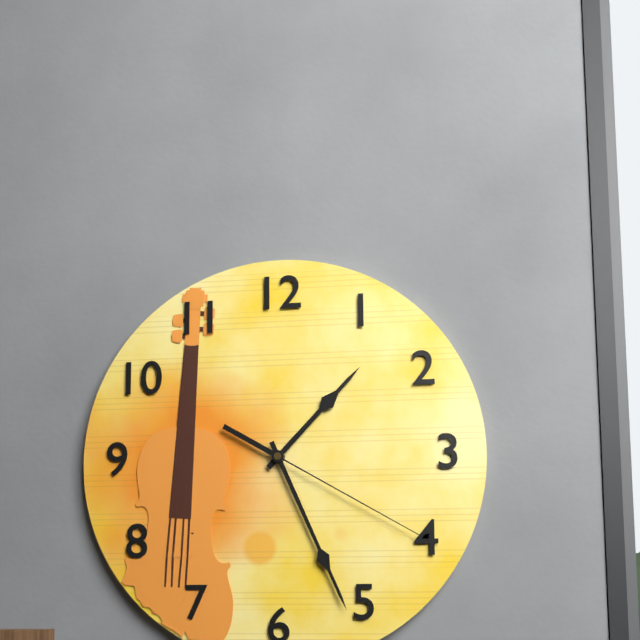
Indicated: 1 h 26 min 20 s
